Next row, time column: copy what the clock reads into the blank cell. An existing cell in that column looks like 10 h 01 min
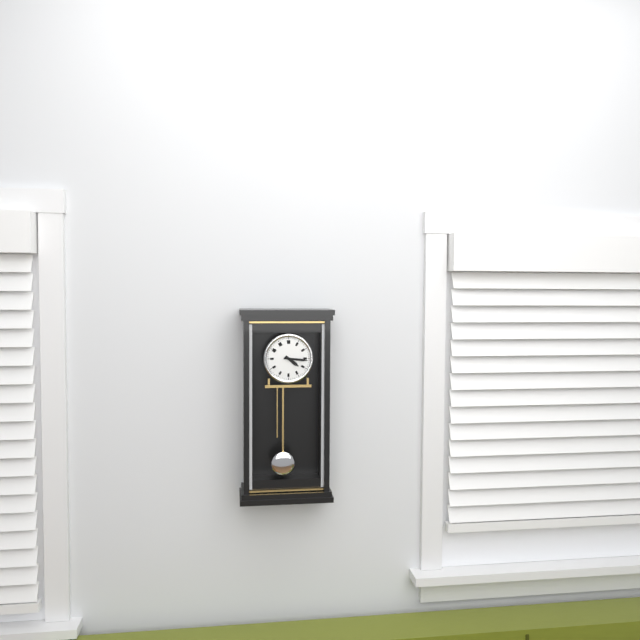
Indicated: 4 h 16 min
